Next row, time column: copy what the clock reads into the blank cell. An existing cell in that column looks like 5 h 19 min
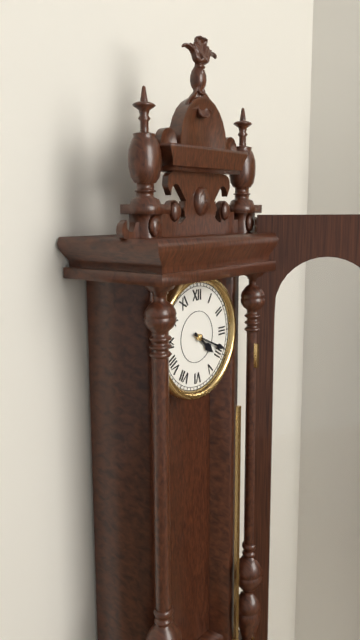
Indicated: 4 h 19 min
